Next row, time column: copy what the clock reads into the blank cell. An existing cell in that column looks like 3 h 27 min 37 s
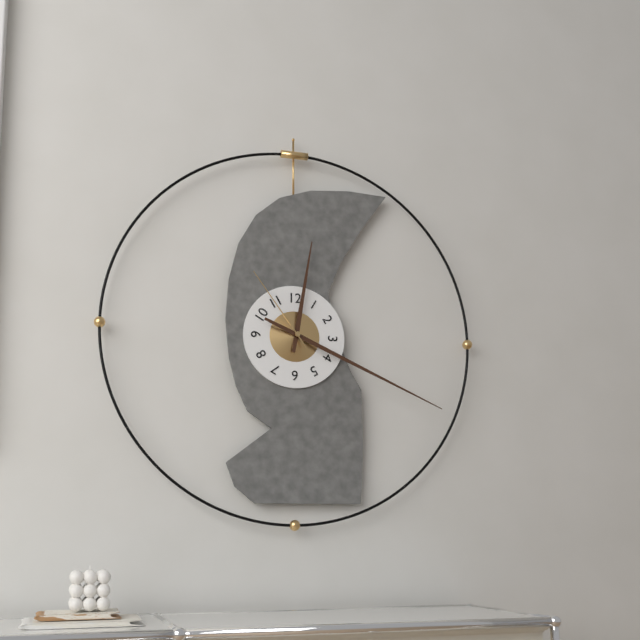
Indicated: 12 h 19 min 54 s
